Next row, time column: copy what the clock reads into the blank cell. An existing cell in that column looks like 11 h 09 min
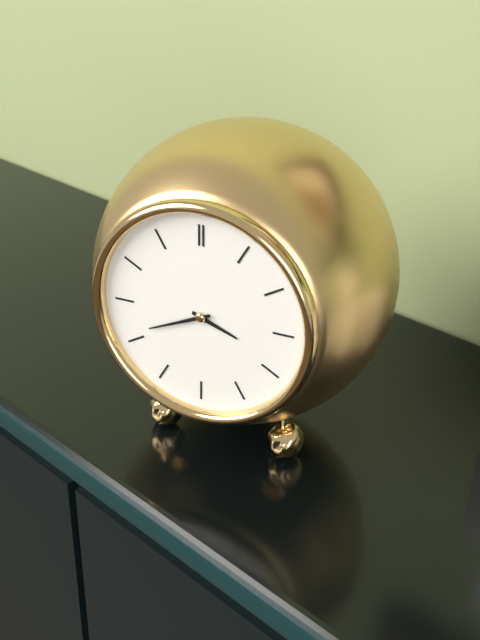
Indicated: 3 h 41 min
